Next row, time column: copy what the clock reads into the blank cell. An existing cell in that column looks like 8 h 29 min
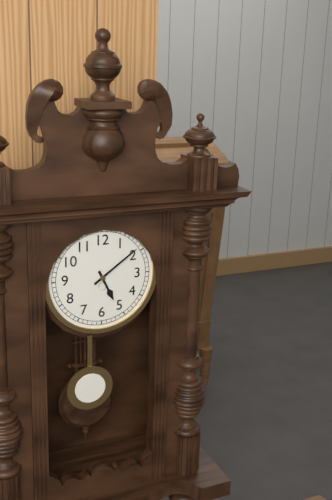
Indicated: 5 h 09 min
